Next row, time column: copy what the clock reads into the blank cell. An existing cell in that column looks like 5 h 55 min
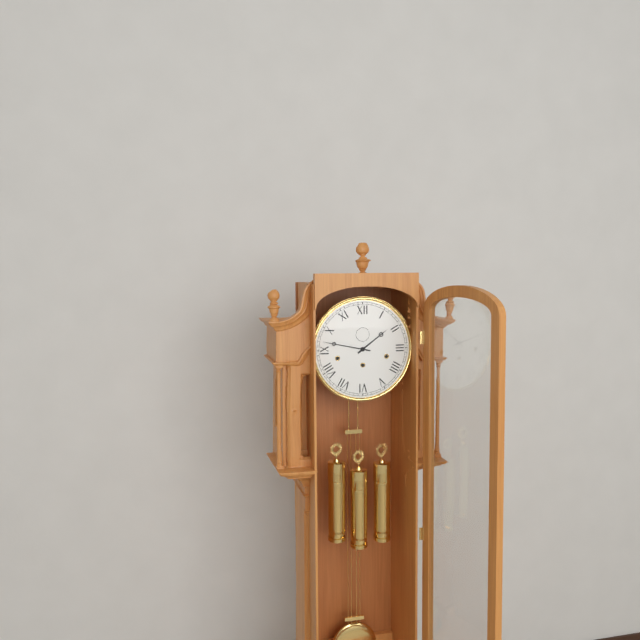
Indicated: 1 h 47 min
